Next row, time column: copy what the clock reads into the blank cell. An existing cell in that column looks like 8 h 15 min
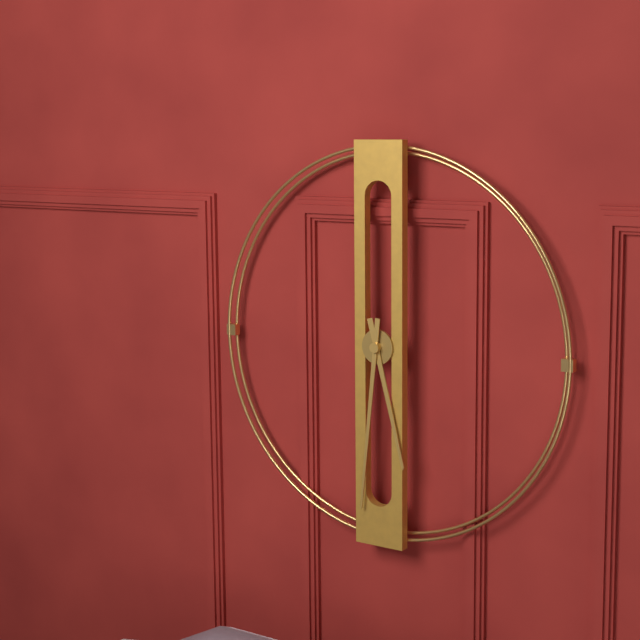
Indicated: 5 h 31 min
